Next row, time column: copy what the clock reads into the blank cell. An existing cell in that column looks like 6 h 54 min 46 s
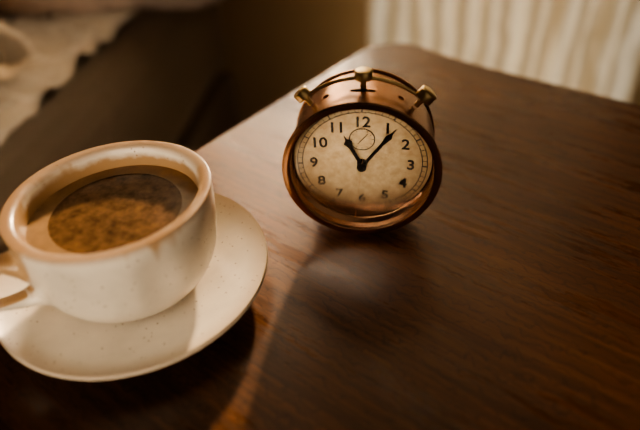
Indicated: 11 h 06 min 31 s
